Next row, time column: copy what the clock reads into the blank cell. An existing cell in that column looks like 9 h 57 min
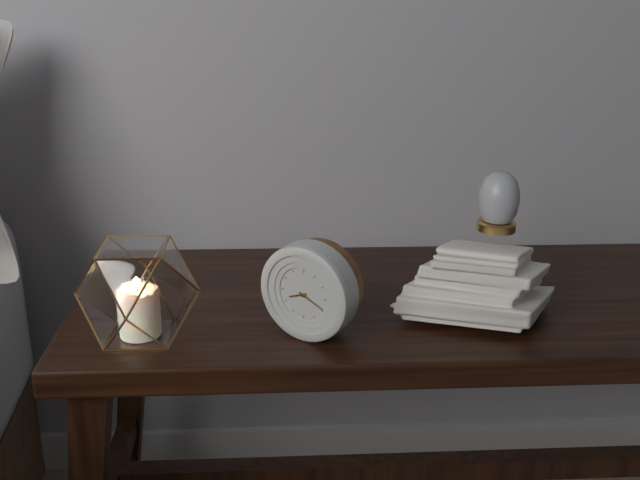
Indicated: 8 h 19 min
